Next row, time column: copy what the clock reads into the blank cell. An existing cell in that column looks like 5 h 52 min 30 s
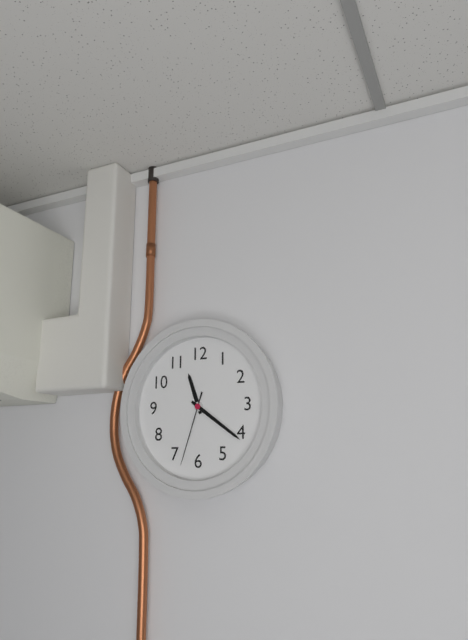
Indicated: 11 h 21 min 33 s
